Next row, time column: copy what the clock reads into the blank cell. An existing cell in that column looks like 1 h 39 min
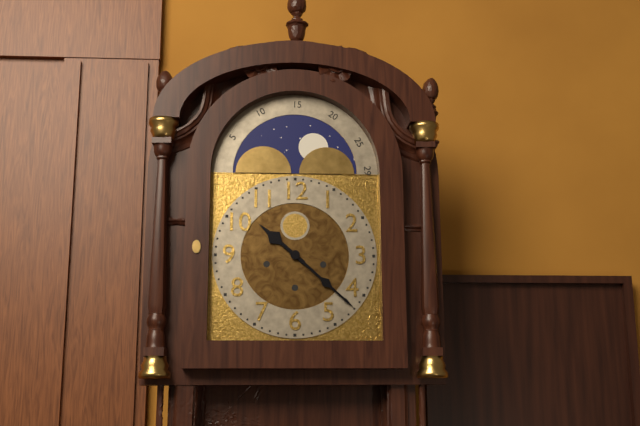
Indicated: 10 h 22 min
